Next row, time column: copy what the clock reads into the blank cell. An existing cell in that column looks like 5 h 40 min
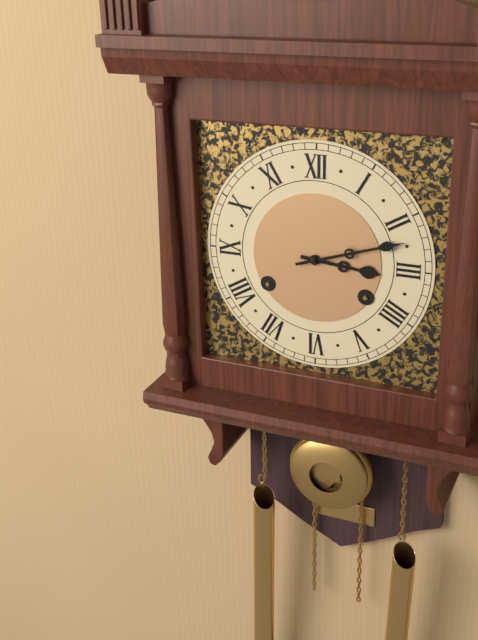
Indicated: 3 h 12 min
